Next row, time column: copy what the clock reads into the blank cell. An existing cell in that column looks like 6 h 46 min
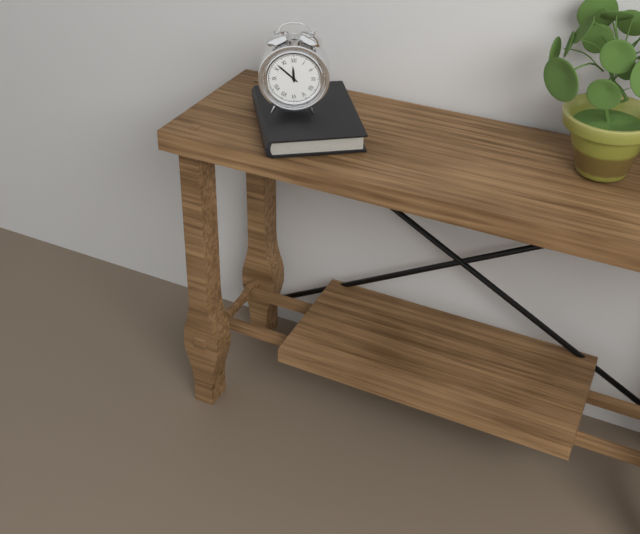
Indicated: 11 h 52 min
